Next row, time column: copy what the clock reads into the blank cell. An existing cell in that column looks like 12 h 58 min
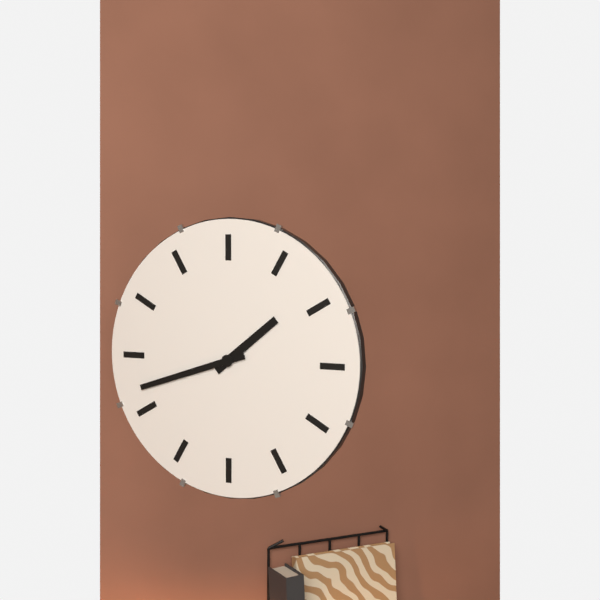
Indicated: 1 h 42 min
